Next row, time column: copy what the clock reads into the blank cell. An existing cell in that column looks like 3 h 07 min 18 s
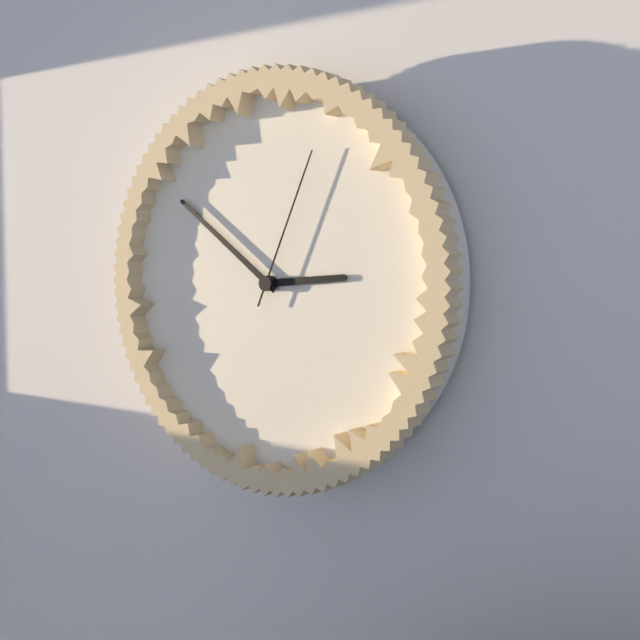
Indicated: 2 h 51 min 04 s
